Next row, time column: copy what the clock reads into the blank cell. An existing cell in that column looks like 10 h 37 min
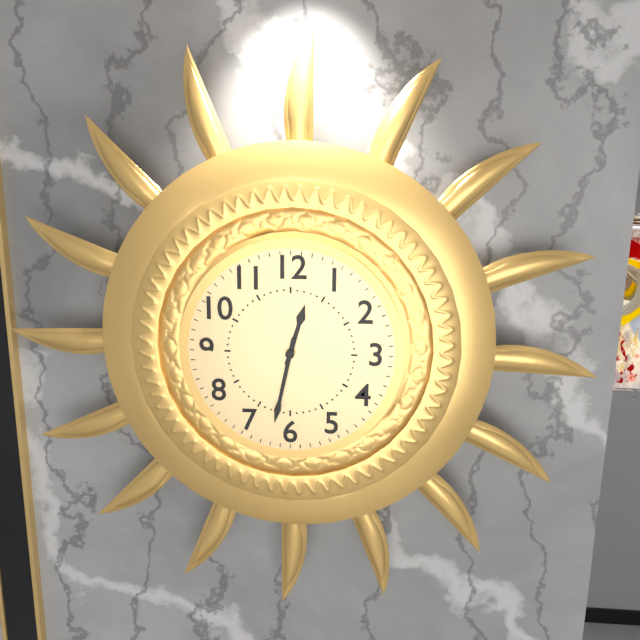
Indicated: 12 h 32 min
